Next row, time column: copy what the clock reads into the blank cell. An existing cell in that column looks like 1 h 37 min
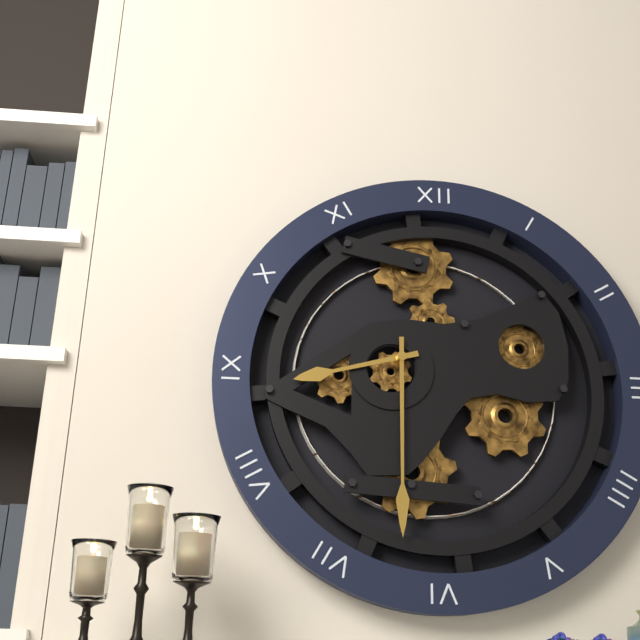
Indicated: 8 h 30 min
